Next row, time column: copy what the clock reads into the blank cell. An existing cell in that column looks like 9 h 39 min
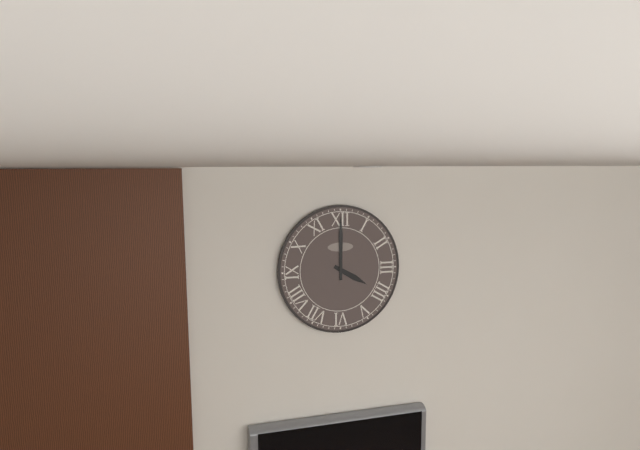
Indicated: 4 h 00 min
